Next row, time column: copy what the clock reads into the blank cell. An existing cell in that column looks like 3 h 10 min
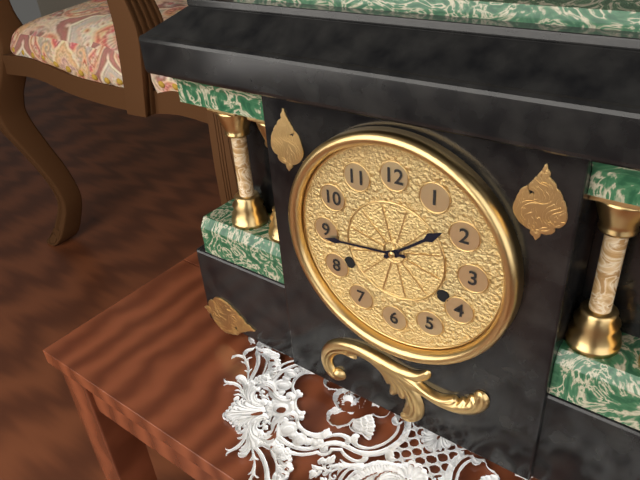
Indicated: 1 h 44 min
